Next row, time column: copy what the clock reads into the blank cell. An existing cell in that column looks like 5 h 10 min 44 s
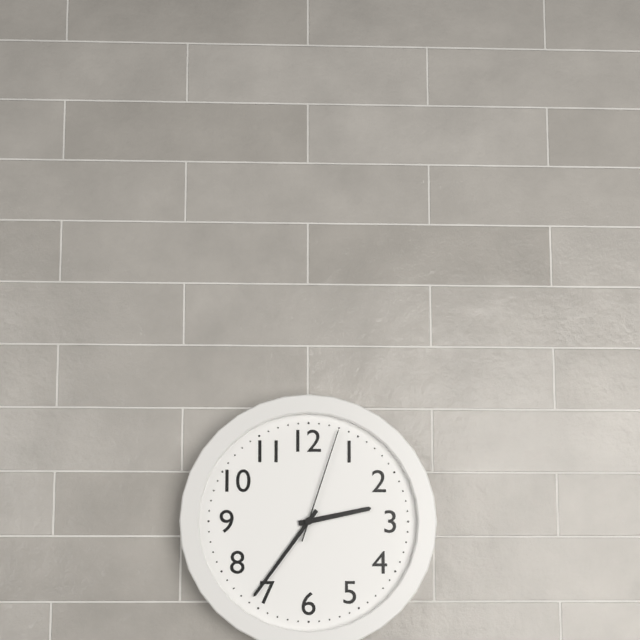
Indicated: 2 h 36 min 03 s
